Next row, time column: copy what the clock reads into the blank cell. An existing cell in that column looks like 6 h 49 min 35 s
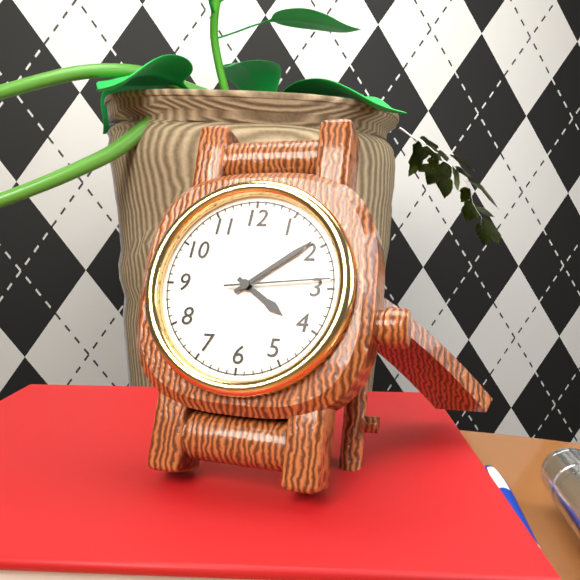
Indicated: 4 h 09 min 14 s
